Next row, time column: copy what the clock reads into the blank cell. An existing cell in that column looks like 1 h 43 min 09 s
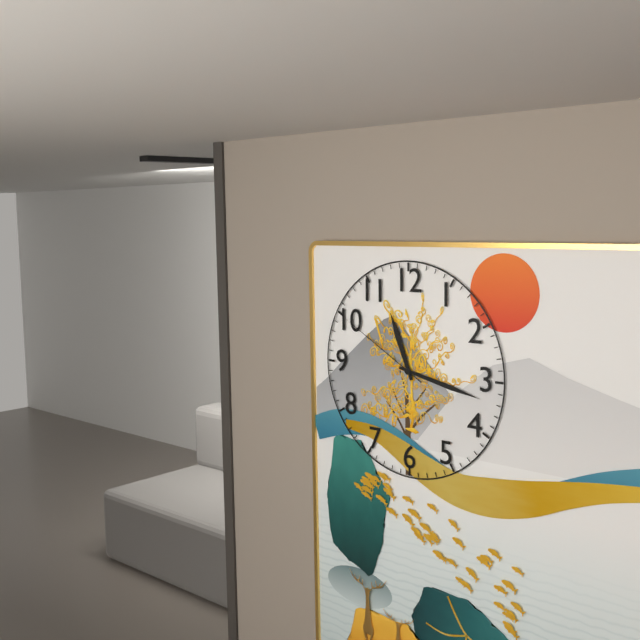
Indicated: 11 h 17 min 50 s
